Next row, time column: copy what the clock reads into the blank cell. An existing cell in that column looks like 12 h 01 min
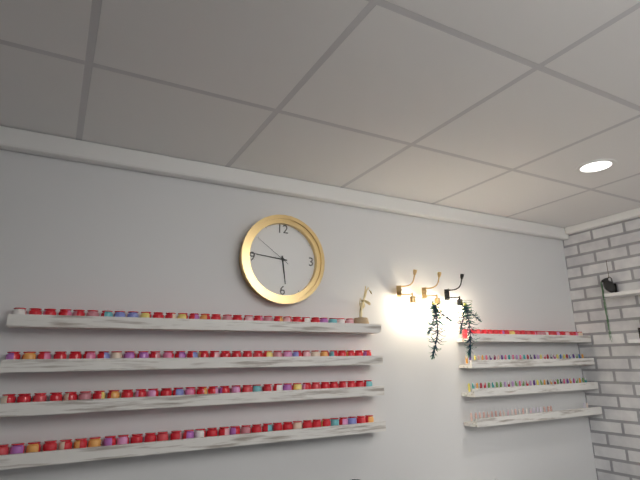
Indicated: 5 h 46 min
